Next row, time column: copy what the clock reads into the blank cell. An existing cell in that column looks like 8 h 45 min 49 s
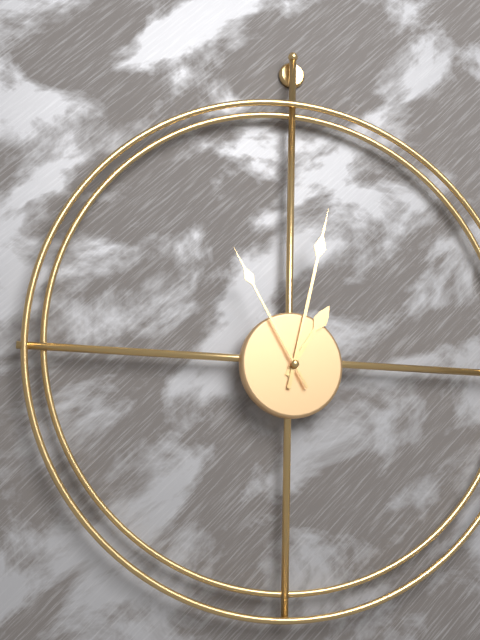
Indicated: 1 h 02 min 55 s
